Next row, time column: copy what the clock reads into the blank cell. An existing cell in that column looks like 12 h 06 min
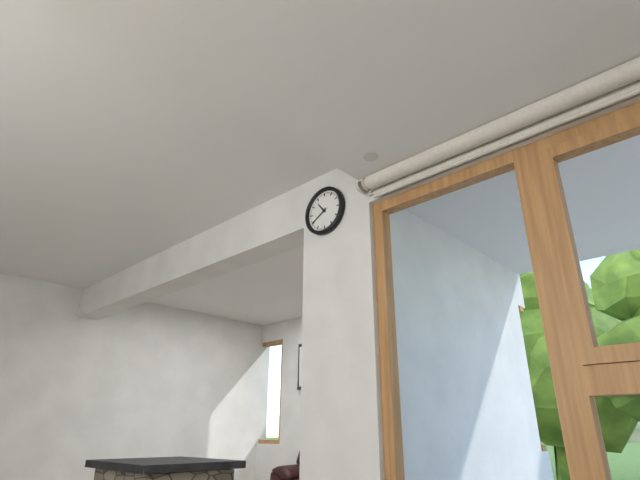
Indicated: 10 h 40 min
